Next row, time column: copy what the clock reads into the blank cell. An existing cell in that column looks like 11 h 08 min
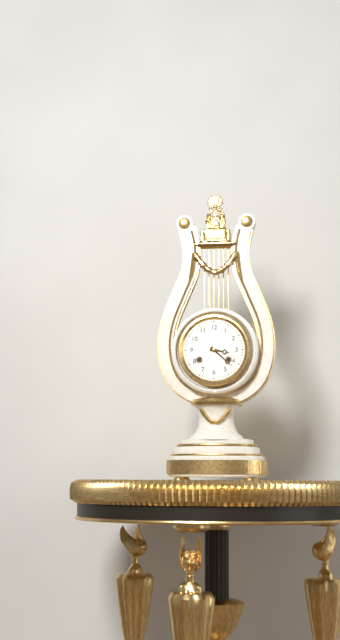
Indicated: 3 h 22 min
